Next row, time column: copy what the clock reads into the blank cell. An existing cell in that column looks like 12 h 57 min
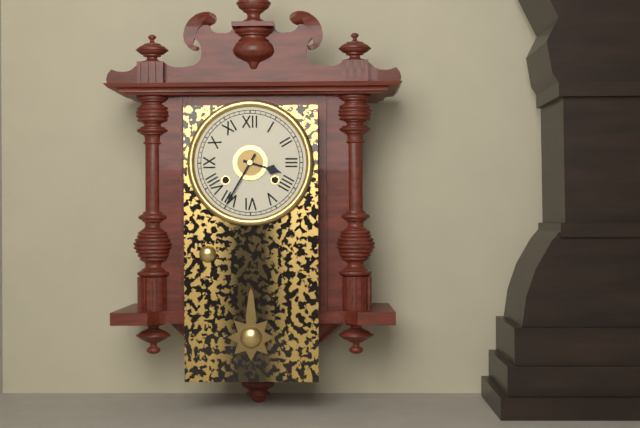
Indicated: 3 h 35 min
